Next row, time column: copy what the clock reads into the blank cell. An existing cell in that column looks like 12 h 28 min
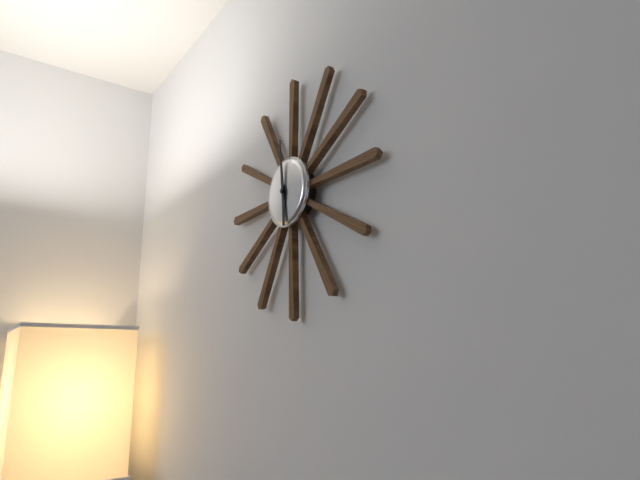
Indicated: 5 h 59 min
